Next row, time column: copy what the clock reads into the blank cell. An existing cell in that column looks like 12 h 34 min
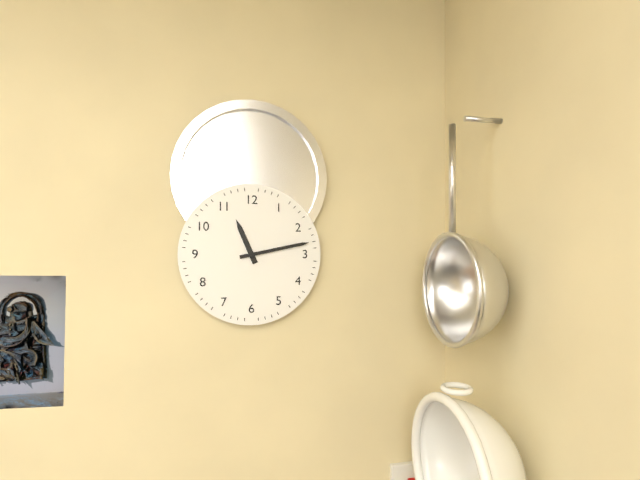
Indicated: 11 h 13 min
